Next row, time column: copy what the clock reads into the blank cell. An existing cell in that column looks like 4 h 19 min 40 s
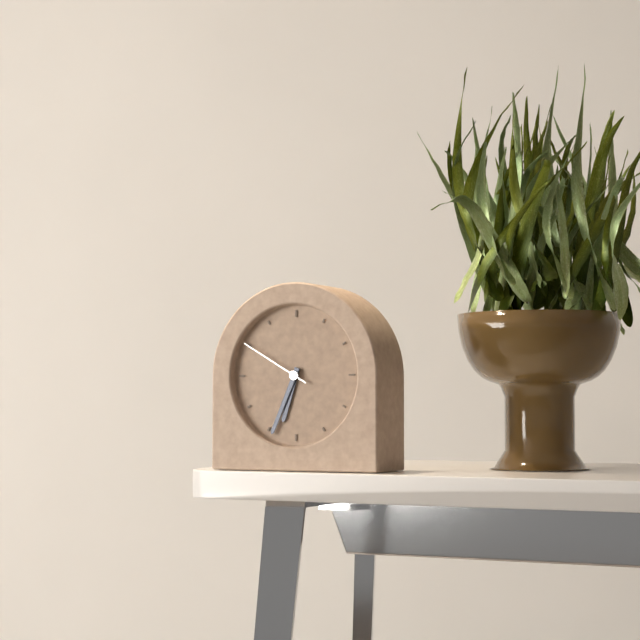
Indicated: 6 h 34 min 50 s
